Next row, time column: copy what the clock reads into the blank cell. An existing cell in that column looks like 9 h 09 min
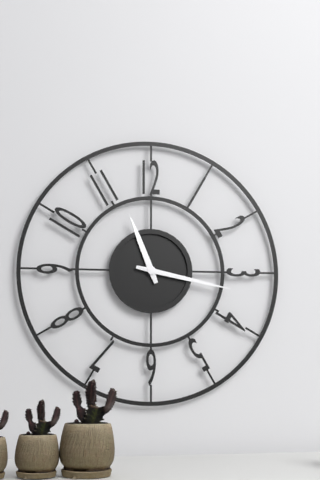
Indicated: 11 h 17 min
